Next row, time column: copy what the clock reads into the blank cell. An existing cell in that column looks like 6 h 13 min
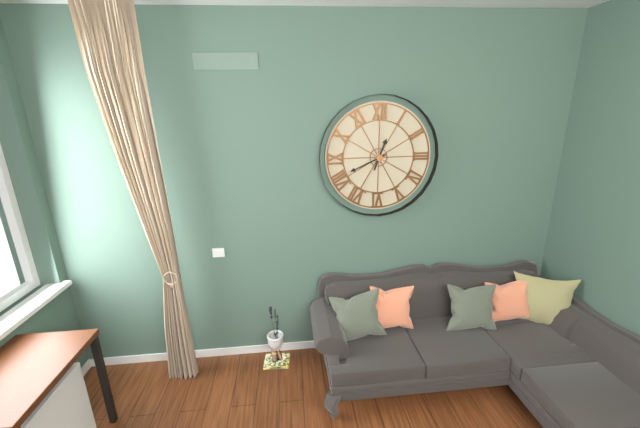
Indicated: 12 h 41 min
